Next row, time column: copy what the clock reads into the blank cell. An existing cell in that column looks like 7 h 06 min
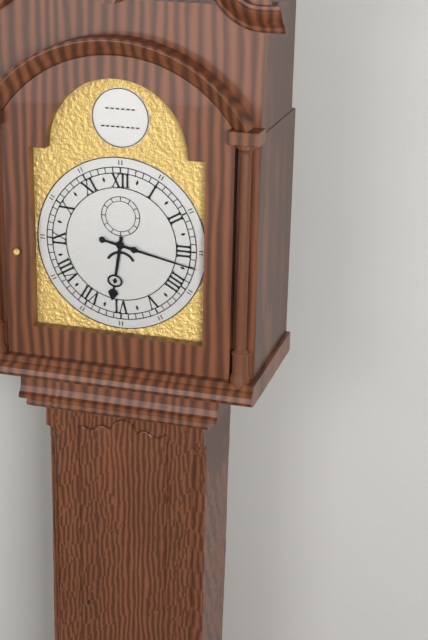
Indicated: 6 h 17 min
